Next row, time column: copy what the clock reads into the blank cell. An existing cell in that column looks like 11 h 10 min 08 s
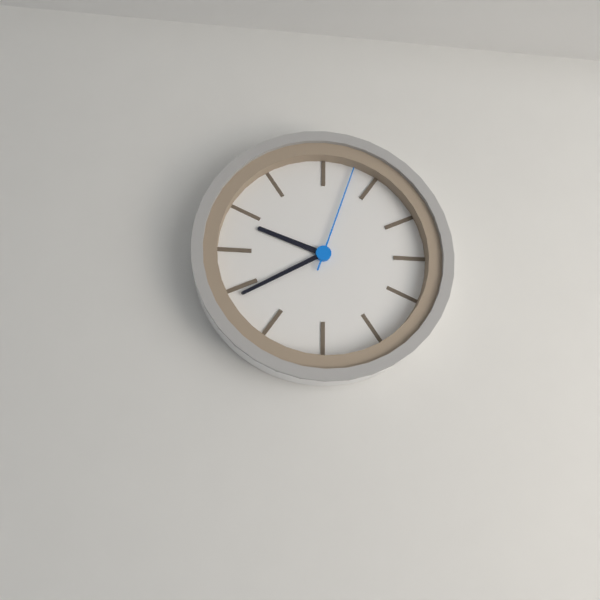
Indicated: 9 h 40 min 03 s
